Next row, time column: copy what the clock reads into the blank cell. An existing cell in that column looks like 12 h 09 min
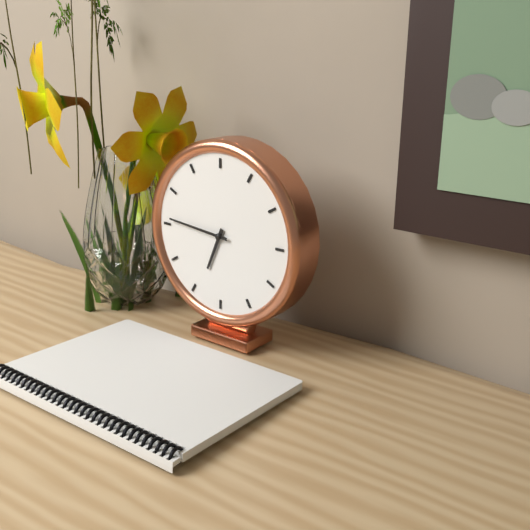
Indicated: 6 h 46 min
